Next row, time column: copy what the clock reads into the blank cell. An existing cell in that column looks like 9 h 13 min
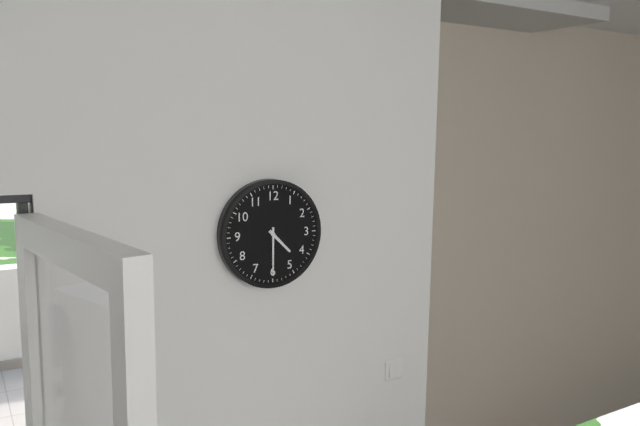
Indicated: 4 h 30 min
